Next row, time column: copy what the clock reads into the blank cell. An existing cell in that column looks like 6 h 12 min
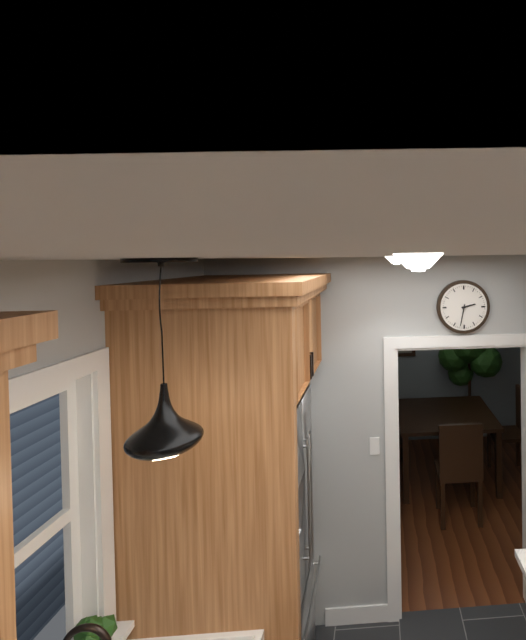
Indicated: 2 h 32 min
